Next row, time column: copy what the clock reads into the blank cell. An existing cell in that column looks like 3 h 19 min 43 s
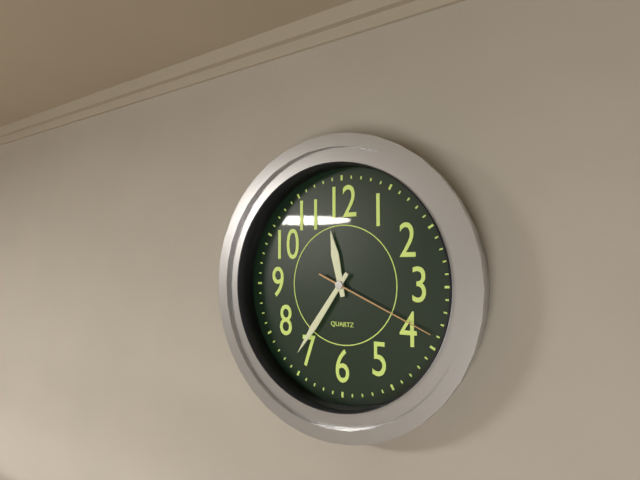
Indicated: 11 h 36 min 19 s
